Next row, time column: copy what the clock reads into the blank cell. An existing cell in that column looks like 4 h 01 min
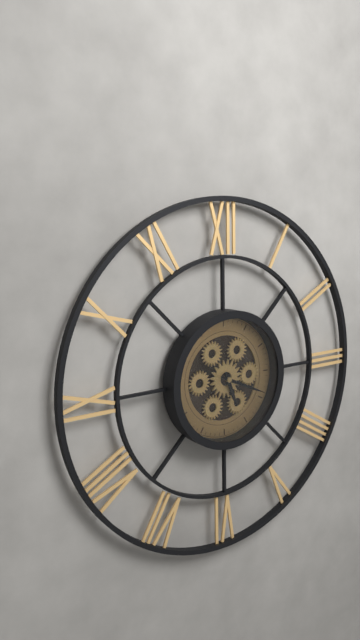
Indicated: 5 h 19 min
